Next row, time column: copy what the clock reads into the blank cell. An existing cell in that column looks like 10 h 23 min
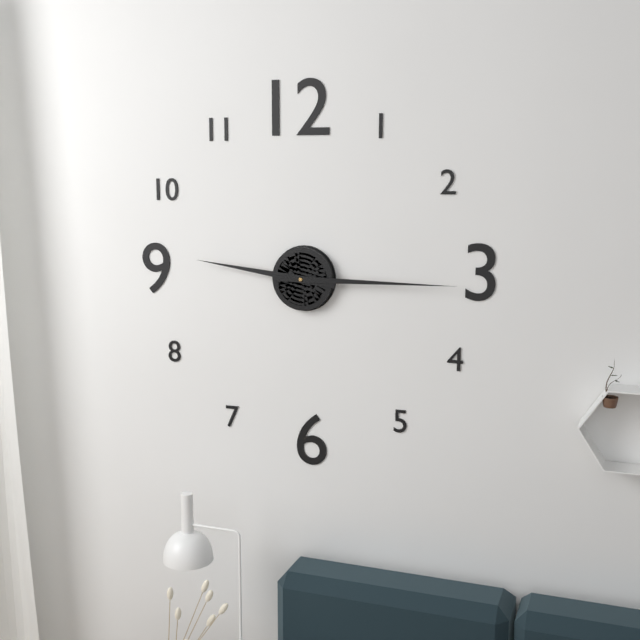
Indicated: 9 h 15 min
